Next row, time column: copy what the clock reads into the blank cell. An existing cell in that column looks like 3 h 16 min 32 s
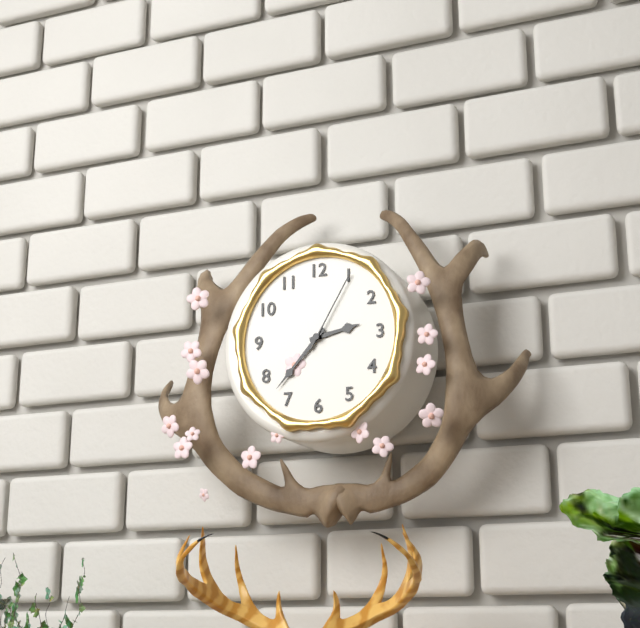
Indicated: 2 h 37 min 05 s
